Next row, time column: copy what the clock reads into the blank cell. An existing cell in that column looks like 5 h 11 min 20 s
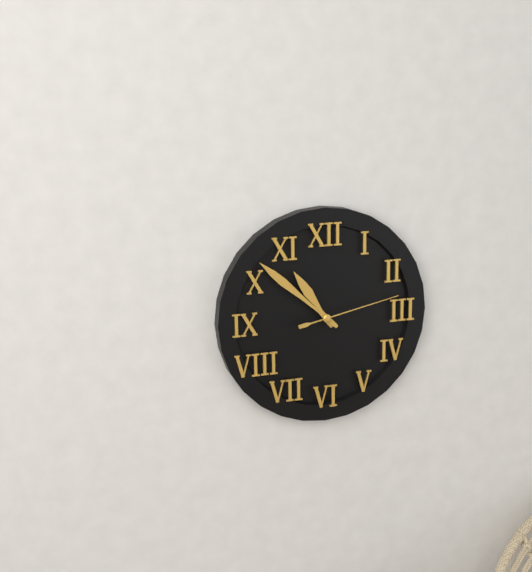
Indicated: 10 h 52 min 13 s
